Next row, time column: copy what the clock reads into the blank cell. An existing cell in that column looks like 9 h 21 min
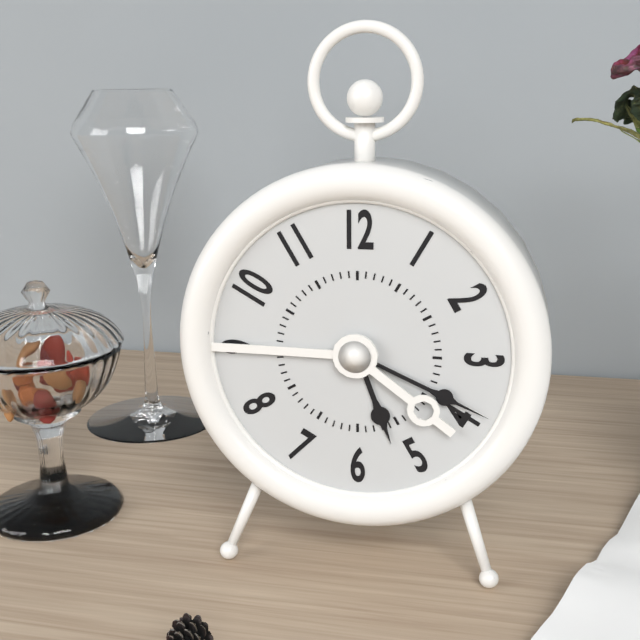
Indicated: 5 h 19 min
